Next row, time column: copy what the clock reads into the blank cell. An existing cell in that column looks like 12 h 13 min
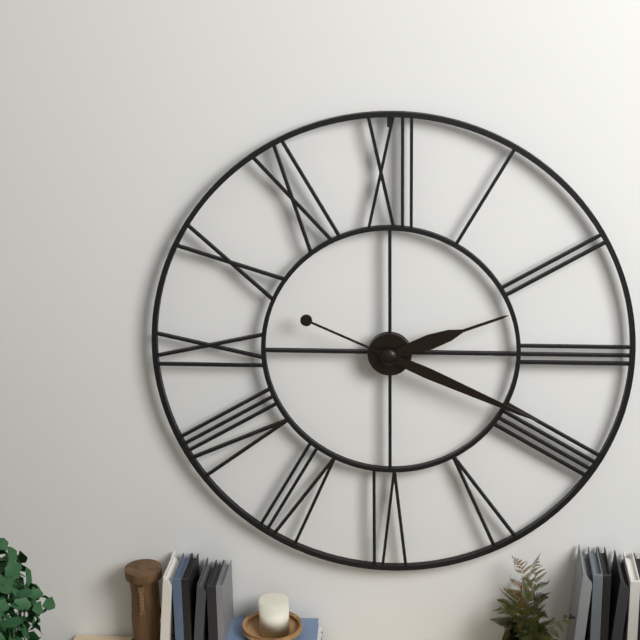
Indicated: 2 h 19 min
